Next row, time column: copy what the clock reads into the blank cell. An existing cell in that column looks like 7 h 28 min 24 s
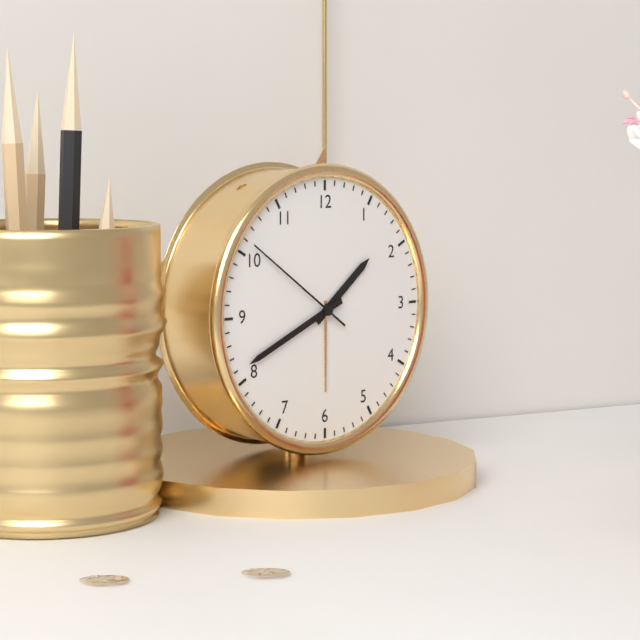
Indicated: 1 h 41 min 51 s
